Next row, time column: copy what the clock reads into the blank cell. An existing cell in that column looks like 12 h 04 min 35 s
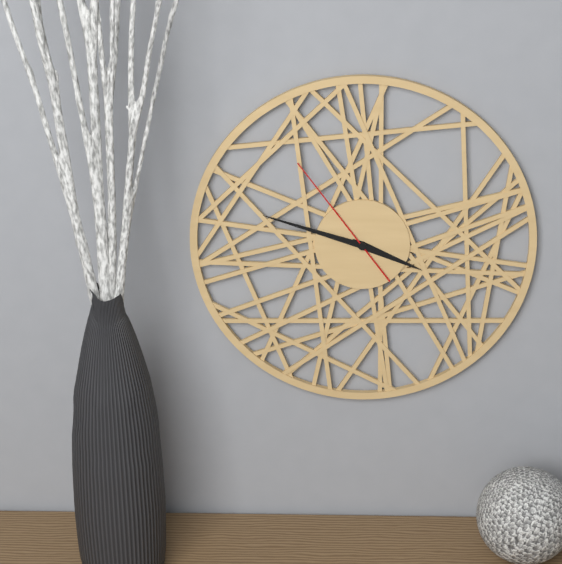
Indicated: 3 h 48 min 54 s
